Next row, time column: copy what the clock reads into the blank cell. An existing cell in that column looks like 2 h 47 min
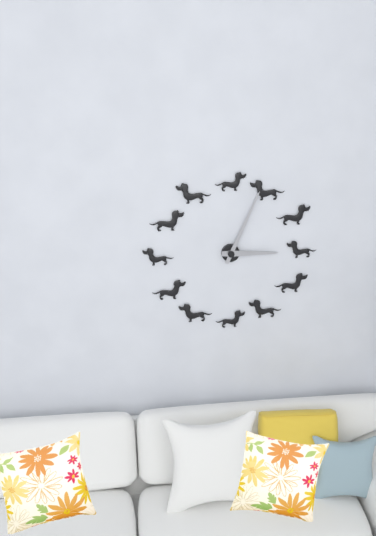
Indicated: 3 h 04 min
